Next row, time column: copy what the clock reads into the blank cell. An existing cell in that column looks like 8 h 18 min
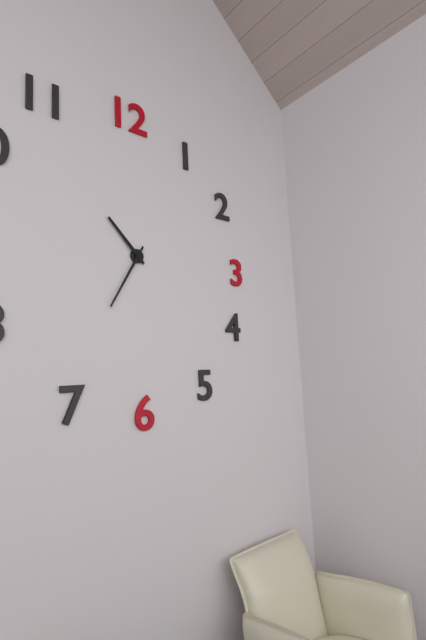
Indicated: 10 h 35 min
